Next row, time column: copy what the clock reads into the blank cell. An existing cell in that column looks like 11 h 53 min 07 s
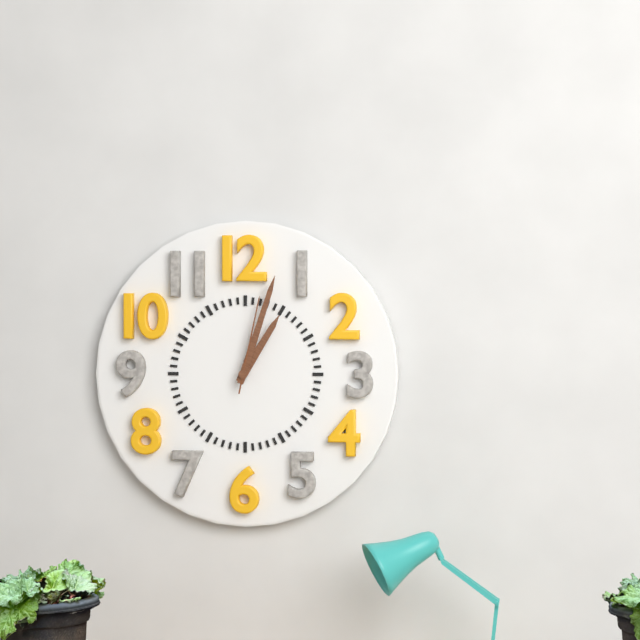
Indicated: 1 h 03 min 02 s
